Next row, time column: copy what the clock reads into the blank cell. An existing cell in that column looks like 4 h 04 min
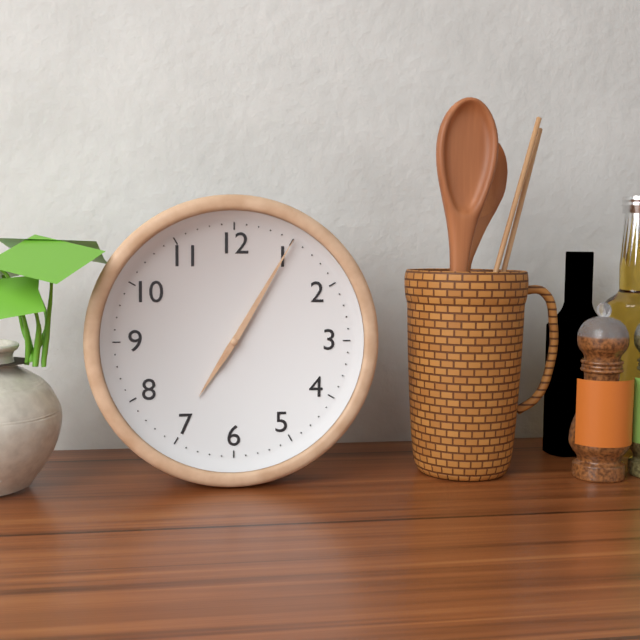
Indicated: 7 h 05 min
